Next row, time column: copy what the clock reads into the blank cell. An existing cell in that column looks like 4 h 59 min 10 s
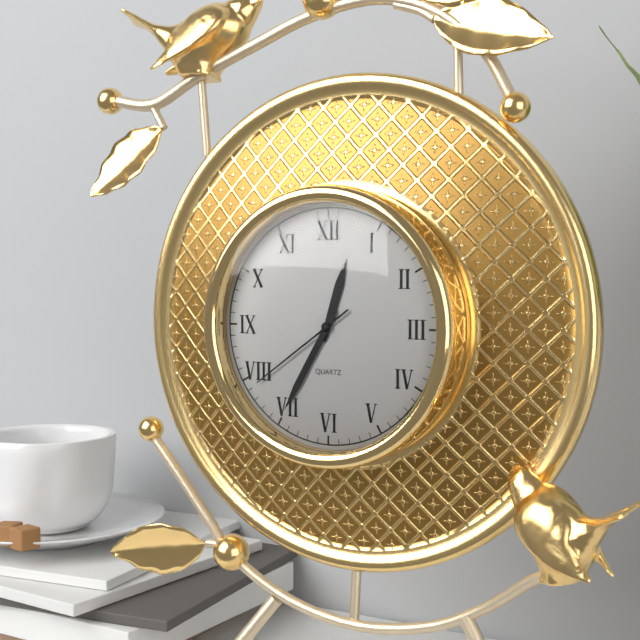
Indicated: 12 h 35 min 39 s
